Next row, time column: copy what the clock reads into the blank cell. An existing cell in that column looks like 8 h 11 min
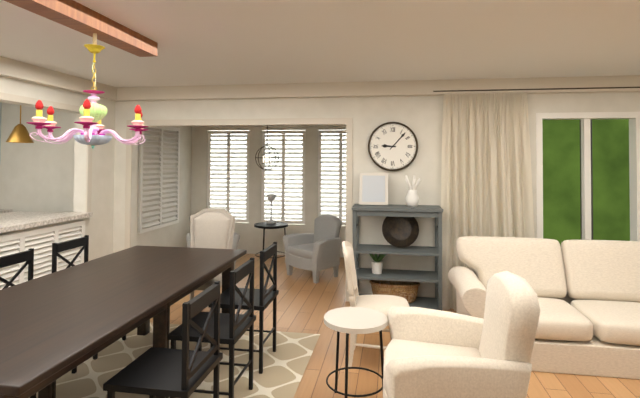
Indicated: 9 h 07 min
